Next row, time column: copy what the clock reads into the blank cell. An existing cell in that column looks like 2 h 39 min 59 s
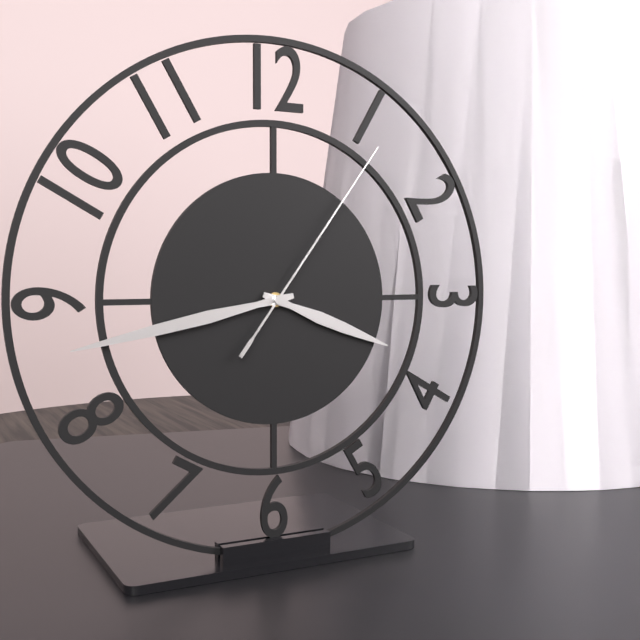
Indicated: 3 h 43 min 06 s
